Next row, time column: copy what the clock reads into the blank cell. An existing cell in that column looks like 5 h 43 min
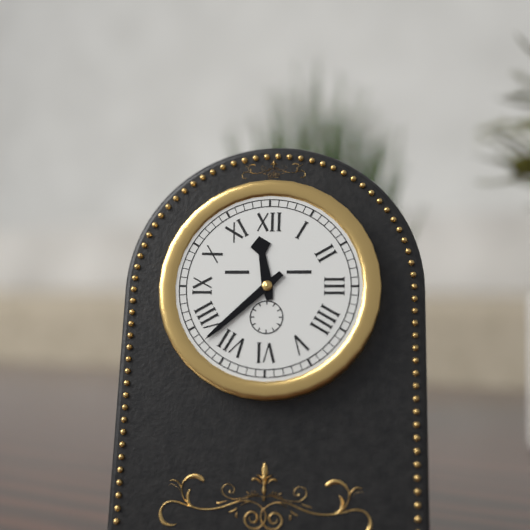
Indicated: 11 h 38 min
